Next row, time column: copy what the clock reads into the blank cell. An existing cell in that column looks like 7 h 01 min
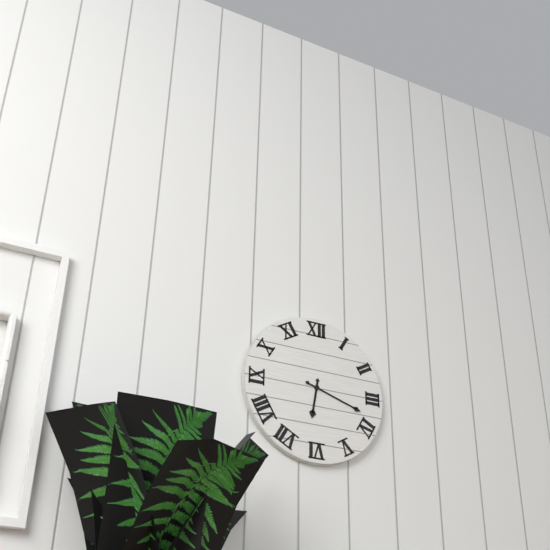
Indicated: 6 h 18 min
